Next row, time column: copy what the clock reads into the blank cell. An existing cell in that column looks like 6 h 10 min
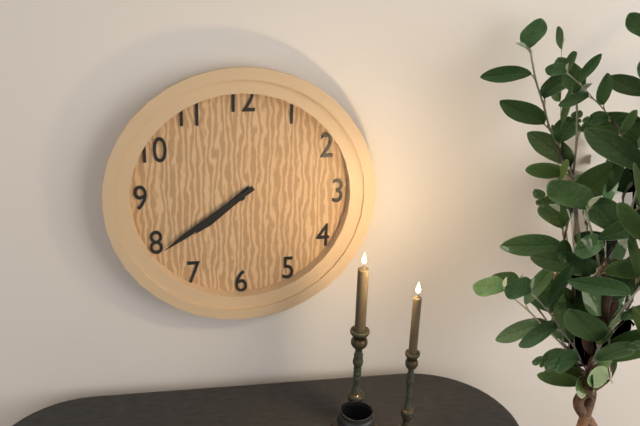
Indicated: 7 h 39 min
